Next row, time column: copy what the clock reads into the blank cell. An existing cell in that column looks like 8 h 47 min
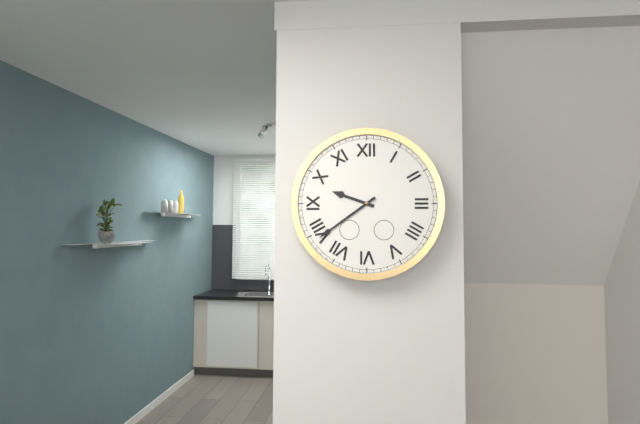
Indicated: 9 h 39 min
